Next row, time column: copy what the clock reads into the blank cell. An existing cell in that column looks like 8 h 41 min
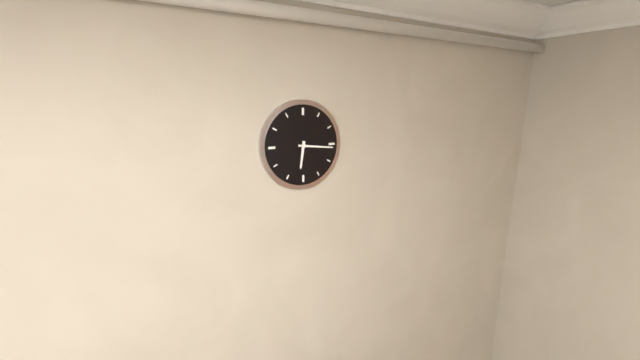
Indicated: 6 h 16 min
